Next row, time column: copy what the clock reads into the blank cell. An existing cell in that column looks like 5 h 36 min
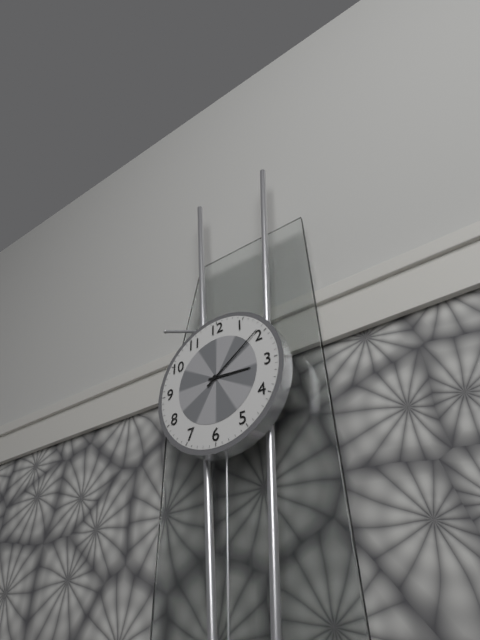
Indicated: 3 h 09 min
